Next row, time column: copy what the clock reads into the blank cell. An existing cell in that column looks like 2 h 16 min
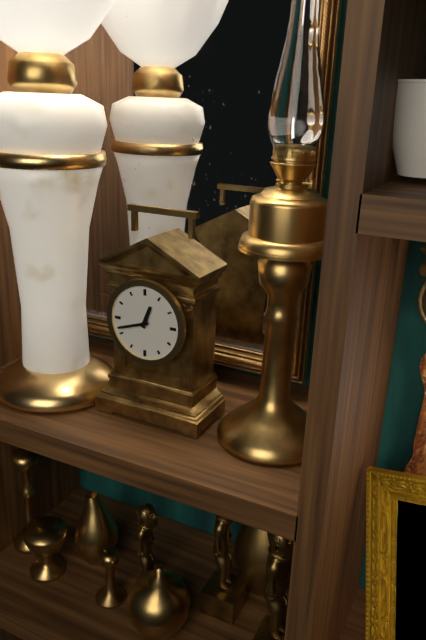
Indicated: 12 h 42 min
